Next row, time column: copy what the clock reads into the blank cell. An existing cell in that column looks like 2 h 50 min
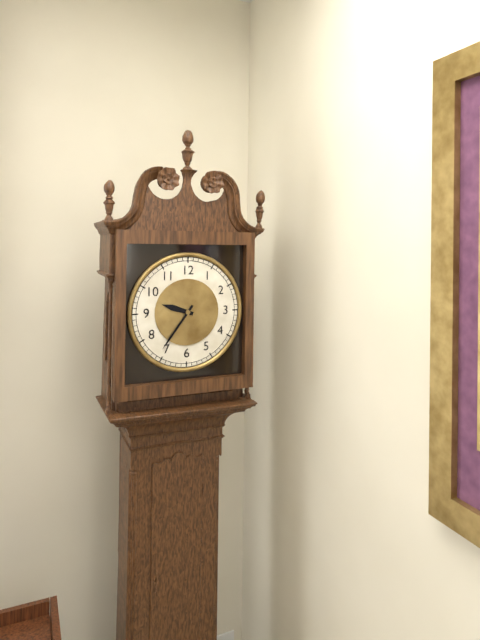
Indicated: 9 h 36 min
